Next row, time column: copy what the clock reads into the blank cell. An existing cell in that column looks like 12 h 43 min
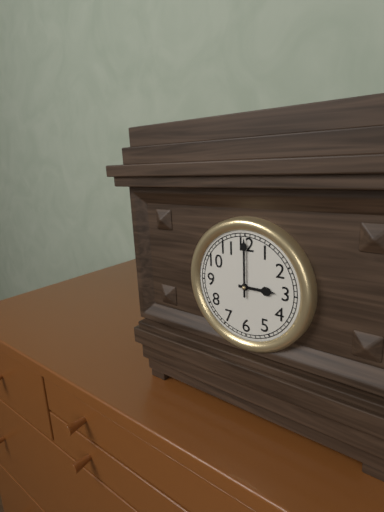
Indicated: 3 h 00 min
